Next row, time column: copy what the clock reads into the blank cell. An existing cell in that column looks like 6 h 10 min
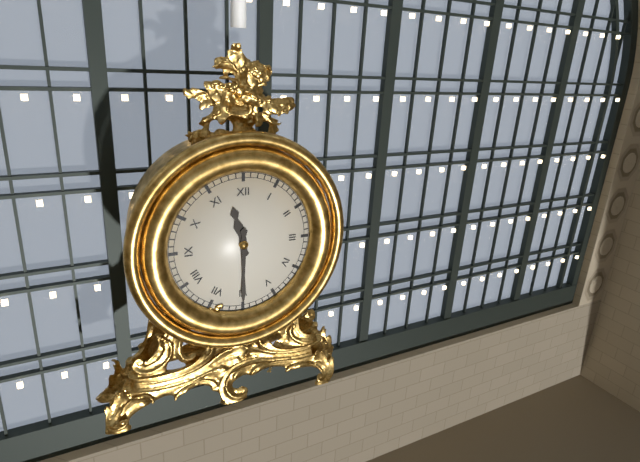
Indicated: 11 h 30 min
